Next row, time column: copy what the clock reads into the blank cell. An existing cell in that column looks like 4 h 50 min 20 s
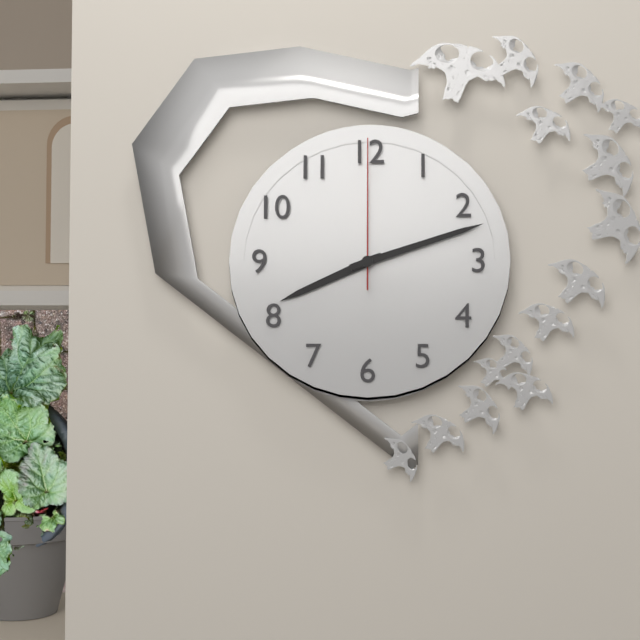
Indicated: 8 h 12 min 00 s
